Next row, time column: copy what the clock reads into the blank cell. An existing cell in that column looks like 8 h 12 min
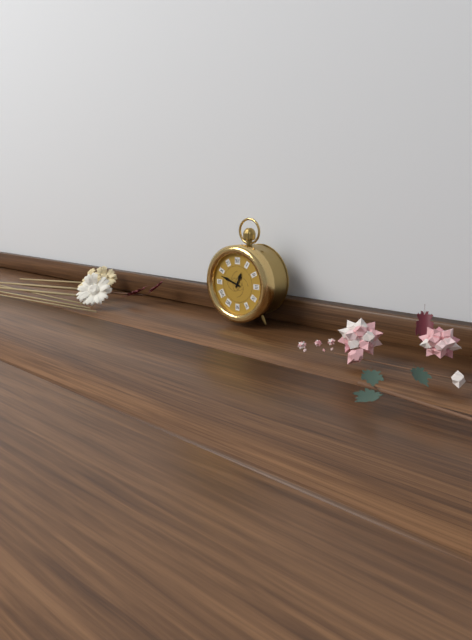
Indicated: 12 h 48 min
